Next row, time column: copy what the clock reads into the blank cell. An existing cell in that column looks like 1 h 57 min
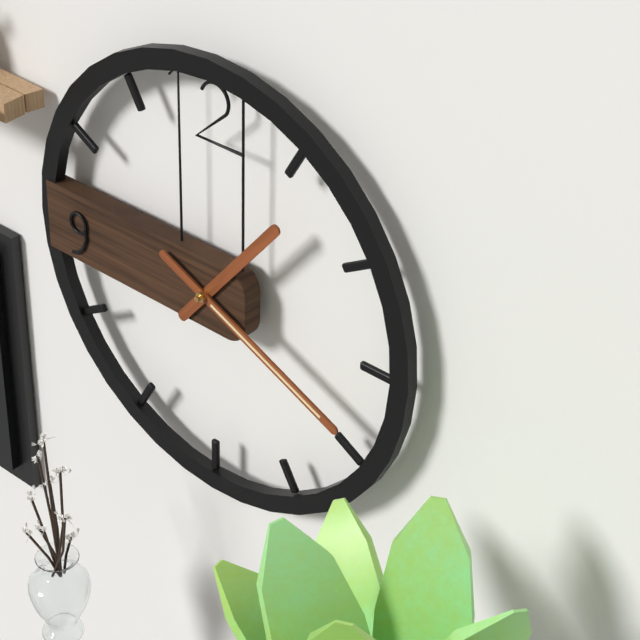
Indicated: 1 h 19 min
